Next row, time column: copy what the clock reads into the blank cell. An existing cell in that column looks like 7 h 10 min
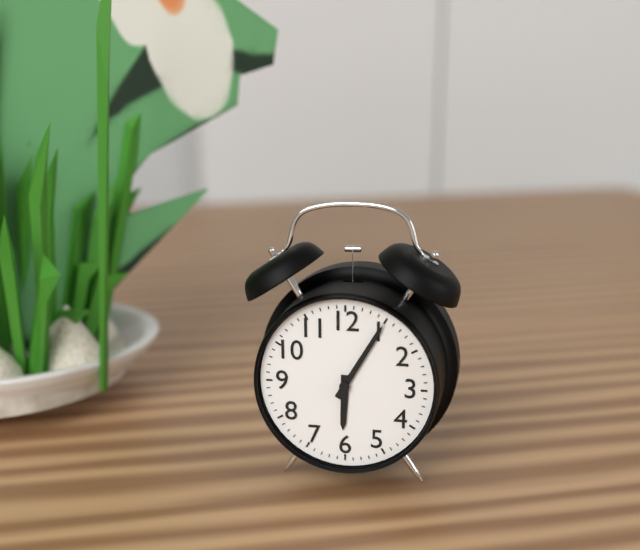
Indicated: 6 h 05 min
